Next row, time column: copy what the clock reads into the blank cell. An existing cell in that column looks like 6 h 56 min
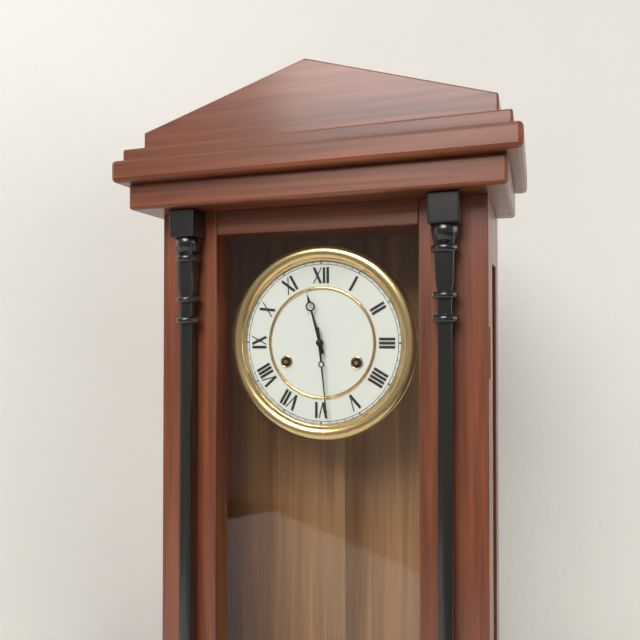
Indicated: 11 h 29 min
